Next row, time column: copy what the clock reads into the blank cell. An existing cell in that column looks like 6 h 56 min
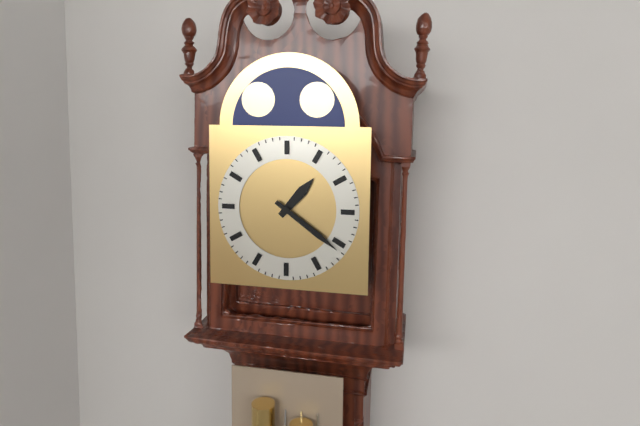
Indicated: 1 h 21 min
